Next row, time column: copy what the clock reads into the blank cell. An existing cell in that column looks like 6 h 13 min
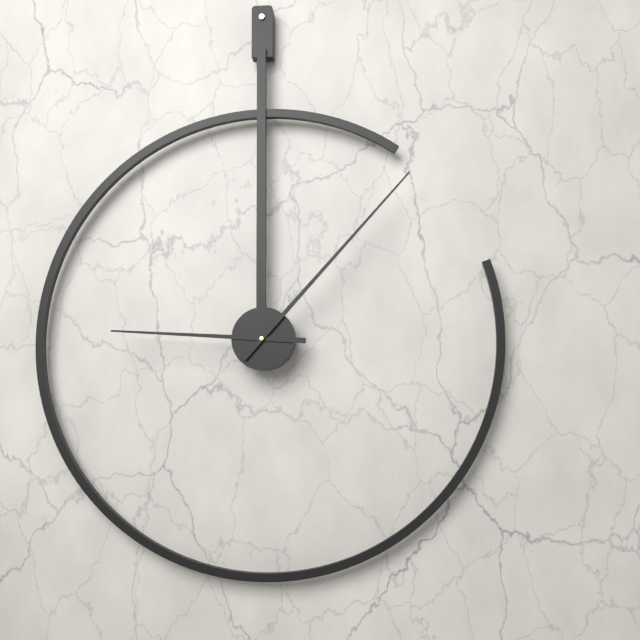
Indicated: 9 h 07 min
